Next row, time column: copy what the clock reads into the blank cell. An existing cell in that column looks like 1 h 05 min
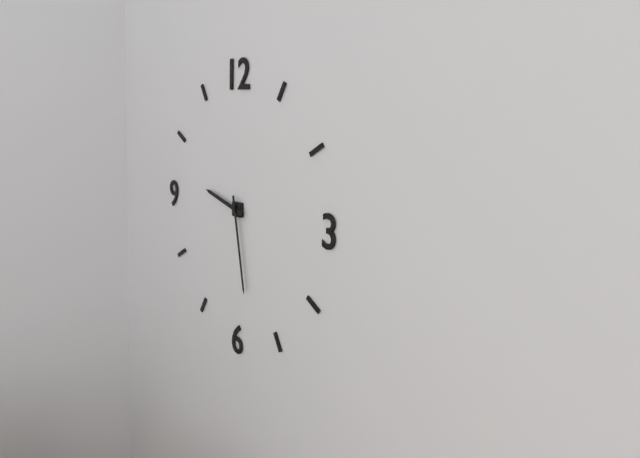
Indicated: 9 h 28 min
